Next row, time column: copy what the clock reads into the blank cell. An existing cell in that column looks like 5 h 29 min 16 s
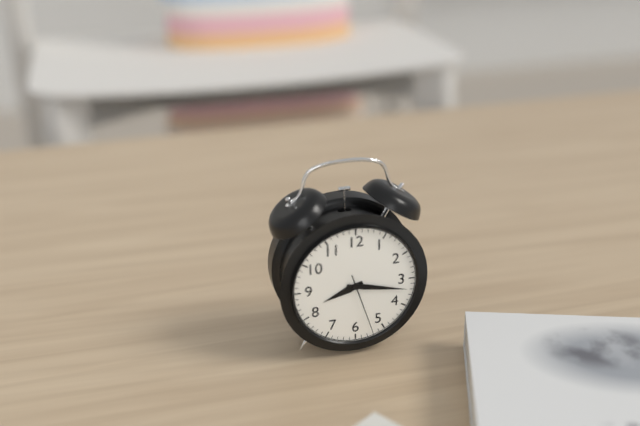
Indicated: 8 h 17 min 27 s
